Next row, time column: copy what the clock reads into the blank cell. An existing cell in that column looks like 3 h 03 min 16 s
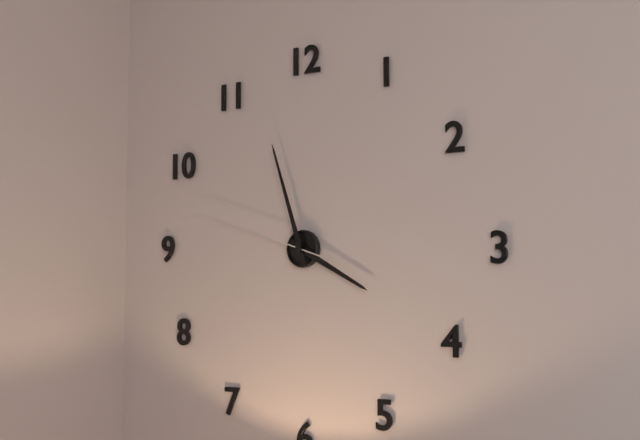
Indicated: 3 h 57 min 48 s
